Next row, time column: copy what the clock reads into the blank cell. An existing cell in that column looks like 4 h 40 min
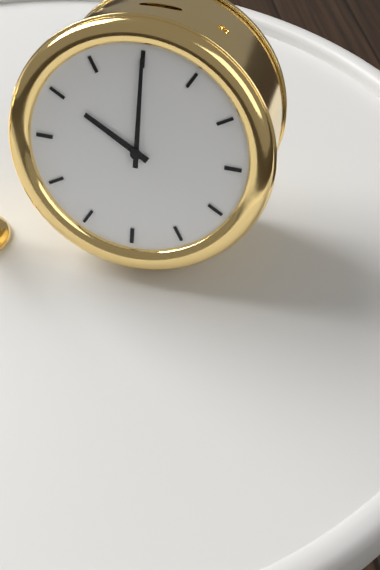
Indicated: 10 h 00 min
